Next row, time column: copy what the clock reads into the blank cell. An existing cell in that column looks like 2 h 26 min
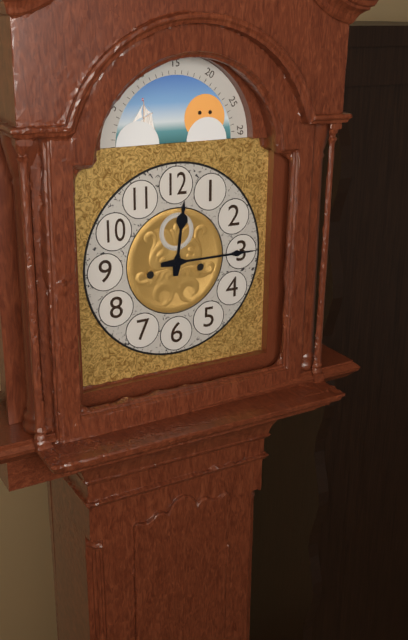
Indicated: 12 h 15 min
